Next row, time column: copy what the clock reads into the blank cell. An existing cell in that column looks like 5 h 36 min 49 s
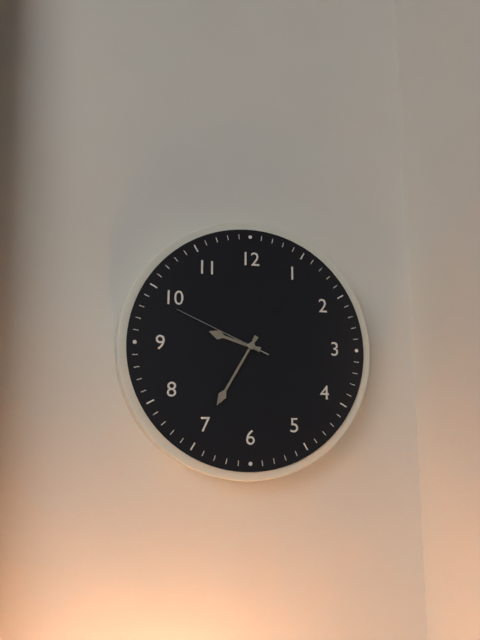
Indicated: 9 h 35 min 49 s
